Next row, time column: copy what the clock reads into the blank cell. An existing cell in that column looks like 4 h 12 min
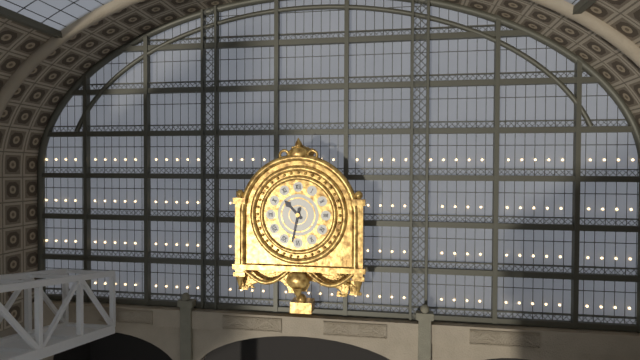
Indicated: 10 h 32 min
